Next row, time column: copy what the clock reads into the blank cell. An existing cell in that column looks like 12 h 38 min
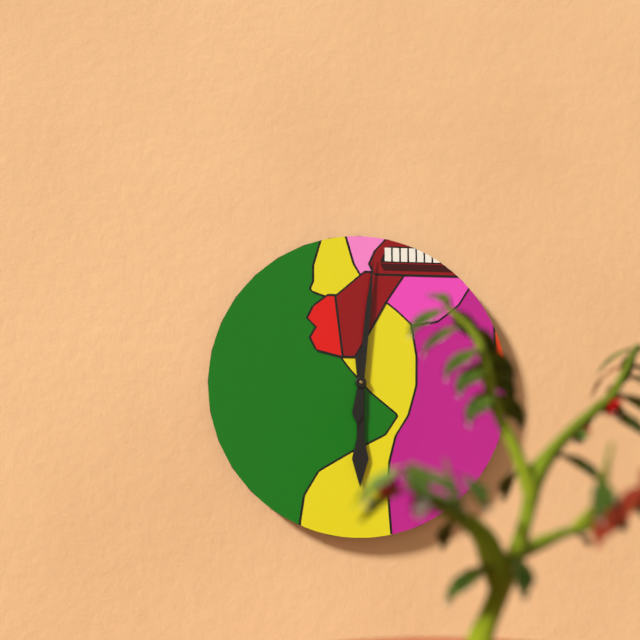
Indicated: 6 h 01 min
